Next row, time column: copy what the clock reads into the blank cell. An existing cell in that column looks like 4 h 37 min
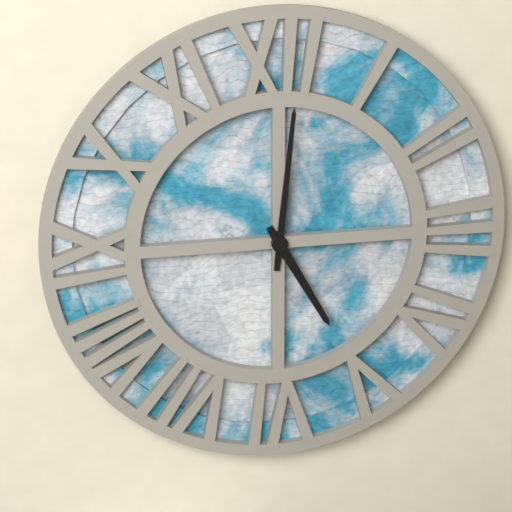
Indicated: 5 h 01 min
